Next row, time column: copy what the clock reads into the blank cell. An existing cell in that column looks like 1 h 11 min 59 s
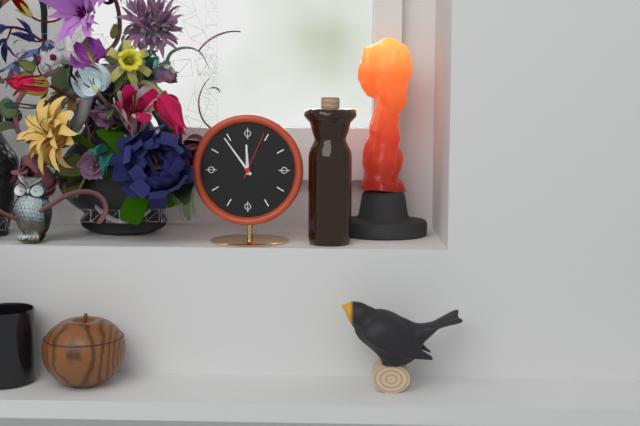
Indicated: 11 h 54 min 04 s
